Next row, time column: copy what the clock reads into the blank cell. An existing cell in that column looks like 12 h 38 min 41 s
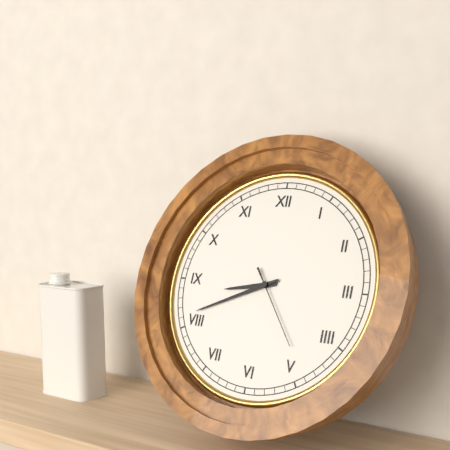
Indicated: 8 h 41 min 24 s
